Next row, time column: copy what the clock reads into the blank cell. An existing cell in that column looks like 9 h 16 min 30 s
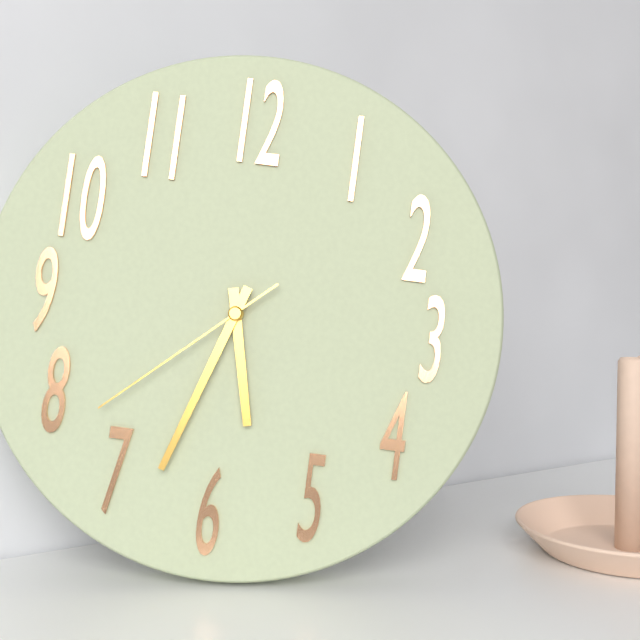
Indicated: 5 h 33 min 38 s
